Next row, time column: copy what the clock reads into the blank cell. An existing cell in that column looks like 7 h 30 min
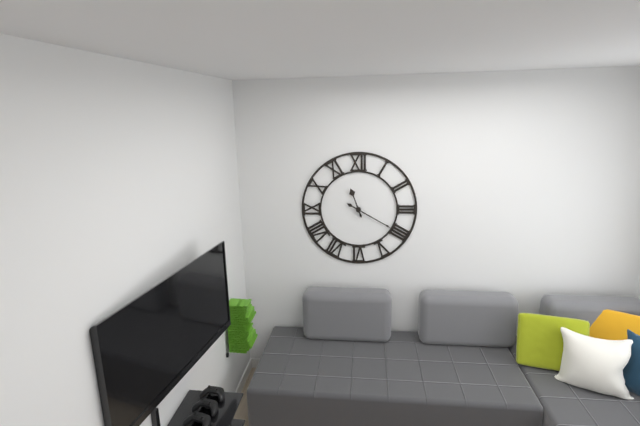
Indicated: 11 h 20 min
